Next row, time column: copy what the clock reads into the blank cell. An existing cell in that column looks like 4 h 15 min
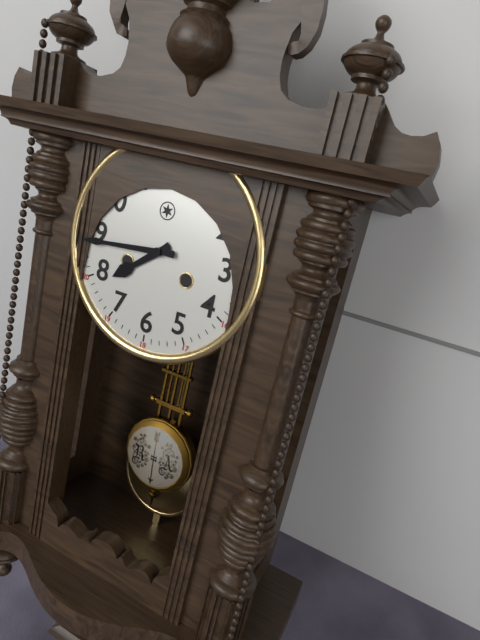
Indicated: 7 h 44 min
